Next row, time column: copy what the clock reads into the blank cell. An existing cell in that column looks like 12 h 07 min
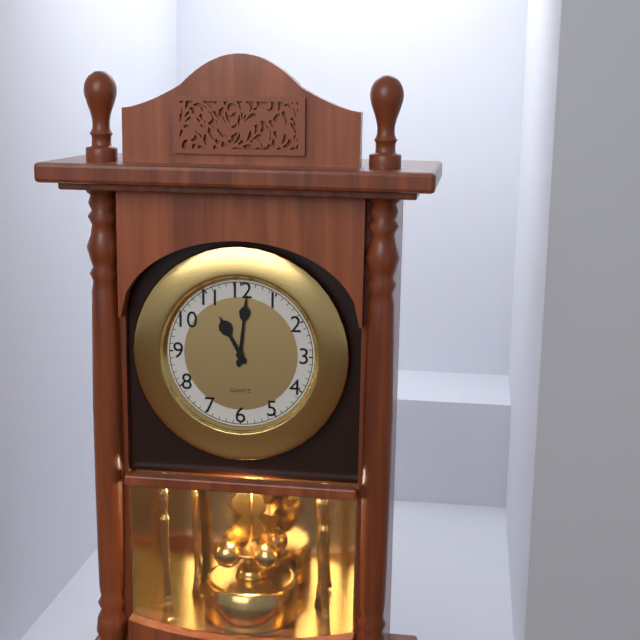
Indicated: 11 h 01 min
